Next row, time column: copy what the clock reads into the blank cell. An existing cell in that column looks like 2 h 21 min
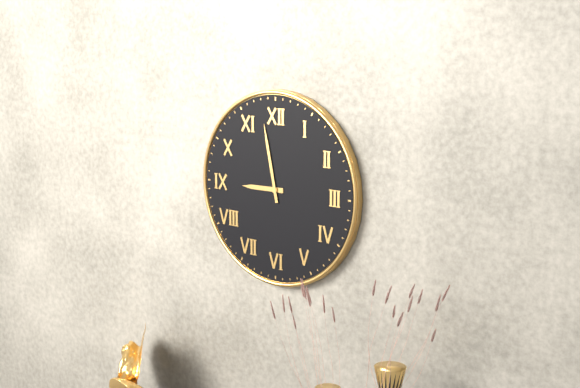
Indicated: 8 h 58 min
